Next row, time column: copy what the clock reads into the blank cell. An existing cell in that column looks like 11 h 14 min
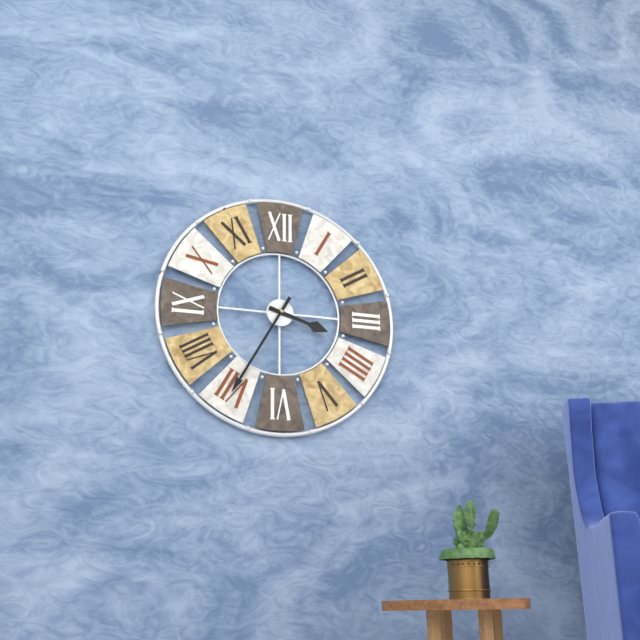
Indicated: 3 h 35 min
